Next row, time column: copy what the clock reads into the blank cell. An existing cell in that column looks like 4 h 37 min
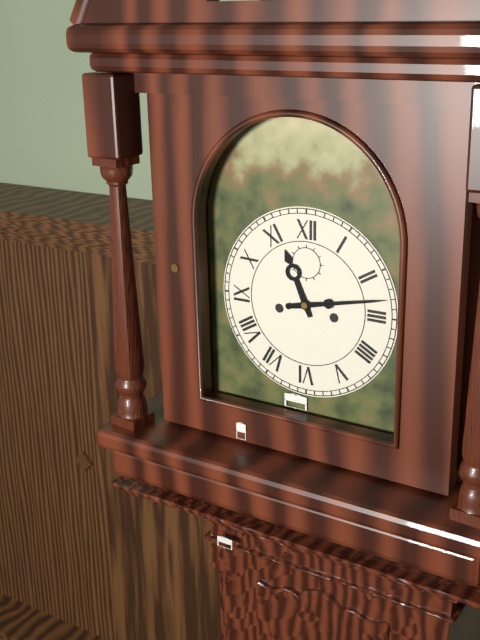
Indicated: 11 h 13 min
